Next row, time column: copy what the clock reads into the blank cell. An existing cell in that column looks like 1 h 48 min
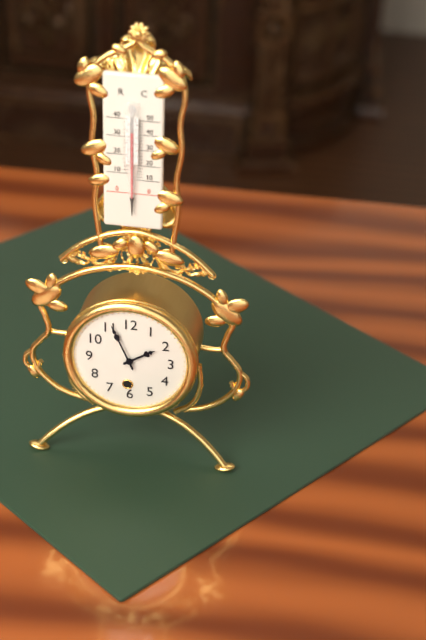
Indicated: 1 h 56 min
